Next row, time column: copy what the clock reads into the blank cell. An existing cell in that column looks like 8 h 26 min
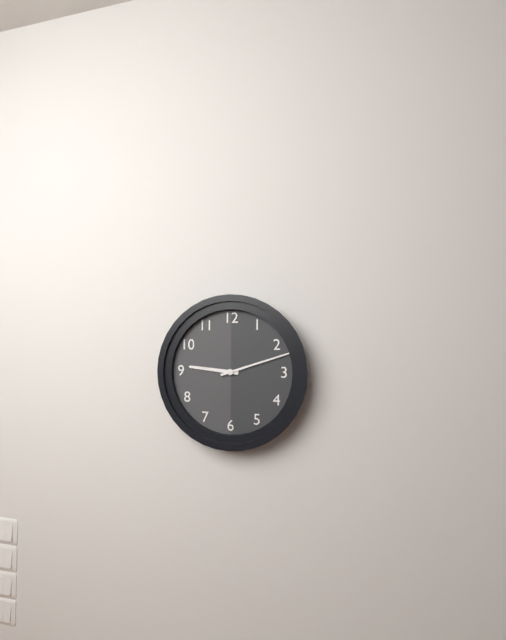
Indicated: 9 h 12 min
